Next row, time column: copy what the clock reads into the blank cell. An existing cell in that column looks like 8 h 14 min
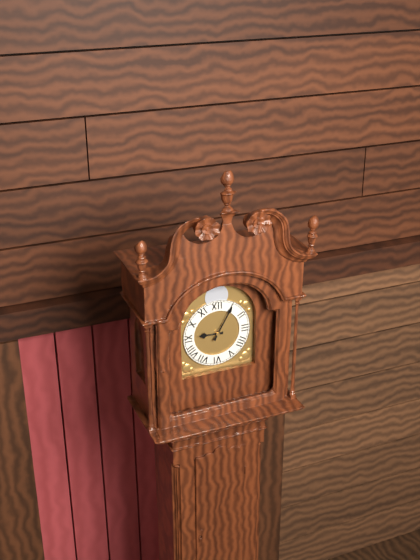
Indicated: 9 h 05 min
